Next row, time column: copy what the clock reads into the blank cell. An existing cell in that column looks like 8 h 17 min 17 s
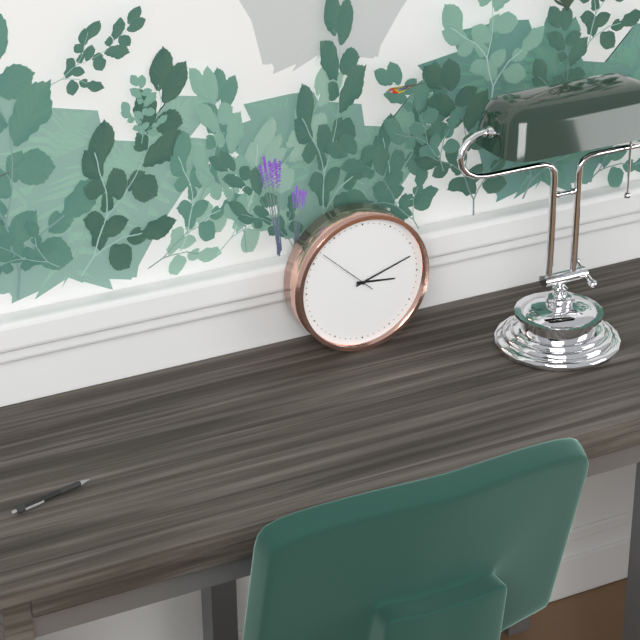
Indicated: 3 h 12 min 52 s
